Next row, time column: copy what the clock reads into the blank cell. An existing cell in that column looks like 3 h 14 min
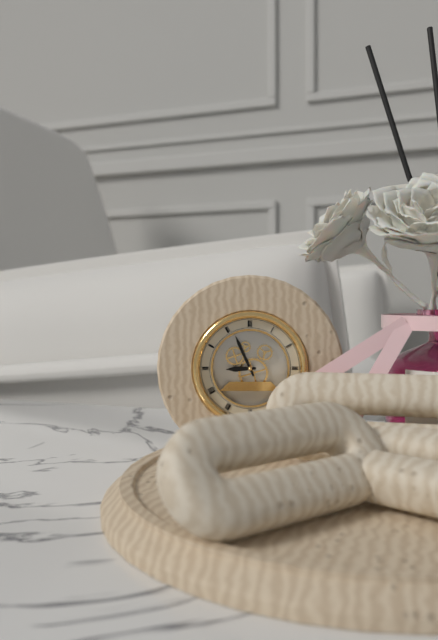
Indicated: 8 h 56 min
